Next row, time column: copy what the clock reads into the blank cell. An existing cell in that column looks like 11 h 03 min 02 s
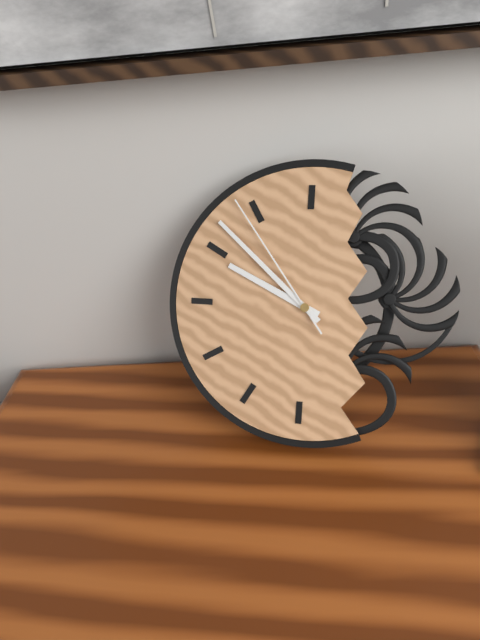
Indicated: 9 h 52 min 54 s
